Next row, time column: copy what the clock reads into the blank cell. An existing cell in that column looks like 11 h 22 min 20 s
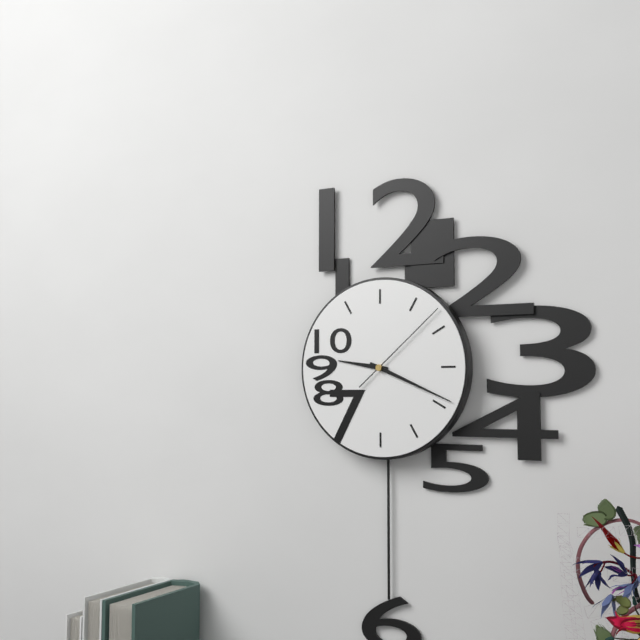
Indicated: 9 h 19 min 08 s
